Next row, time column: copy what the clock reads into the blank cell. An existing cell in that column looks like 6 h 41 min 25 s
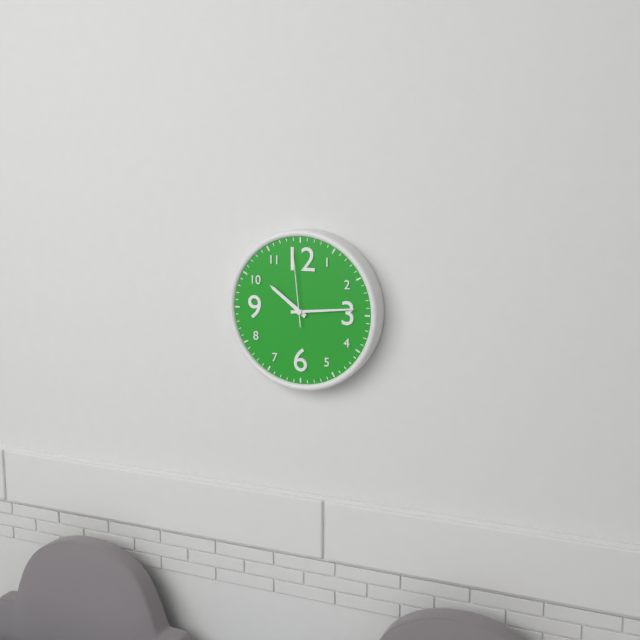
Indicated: 10 h 14 min 59 s
